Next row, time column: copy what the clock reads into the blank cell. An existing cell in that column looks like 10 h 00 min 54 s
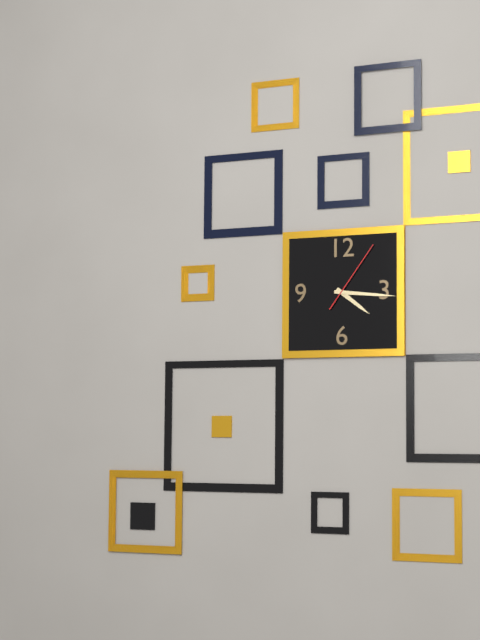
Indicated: 4 h 16 min 06 s
